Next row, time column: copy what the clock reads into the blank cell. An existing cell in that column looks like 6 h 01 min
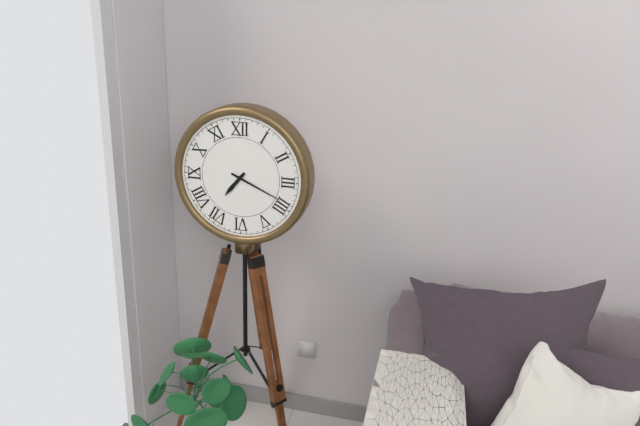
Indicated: 7 h 19 min
